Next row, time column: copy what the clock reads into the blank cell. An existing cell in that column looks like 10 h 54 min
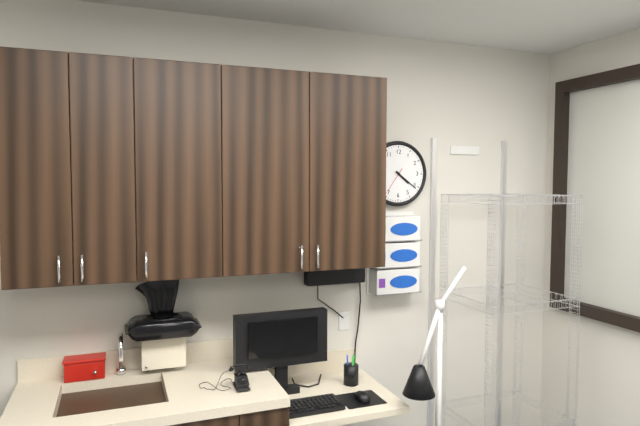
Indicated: 4 h 21 min
